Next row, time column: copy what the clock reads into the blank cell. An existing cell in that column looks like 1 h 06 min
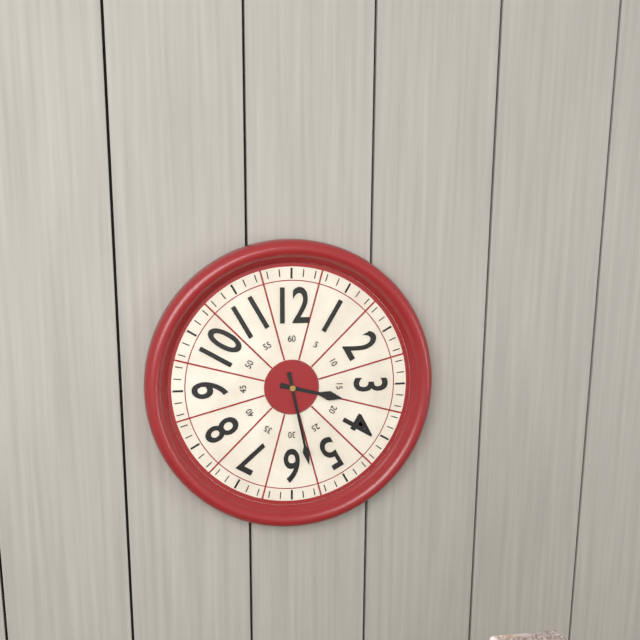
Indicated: 3 h 28 min
